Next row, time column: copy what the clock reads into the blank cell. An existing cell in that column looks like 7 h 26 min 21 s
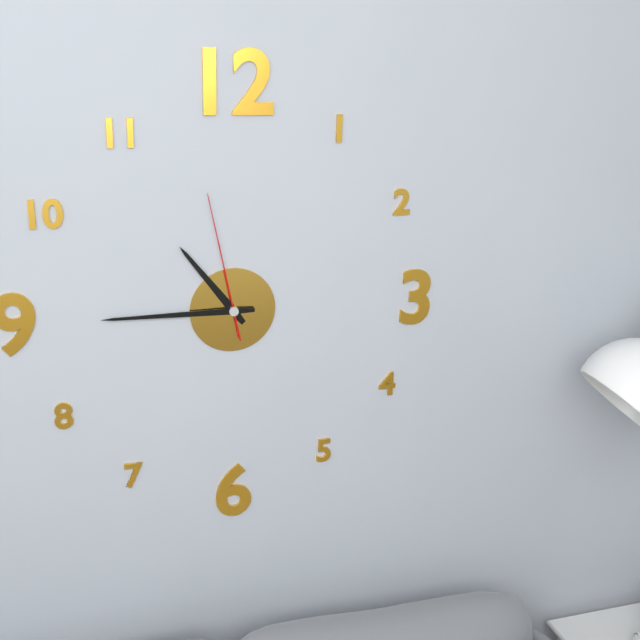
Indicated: 10 h 45 min 58 s
